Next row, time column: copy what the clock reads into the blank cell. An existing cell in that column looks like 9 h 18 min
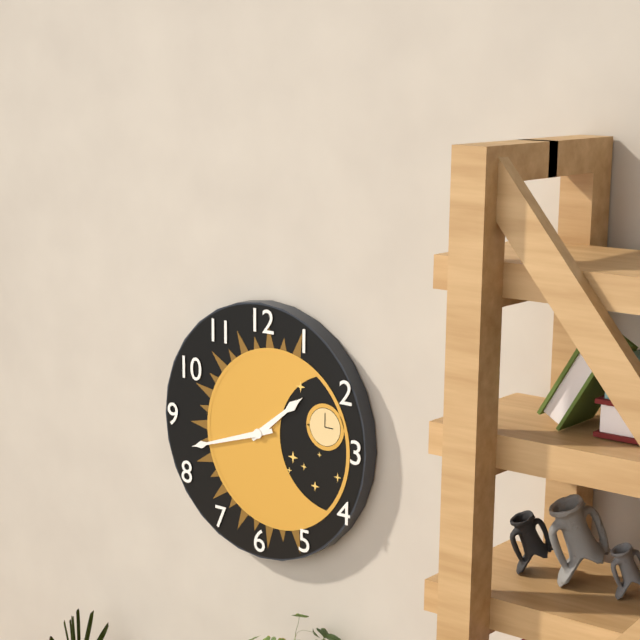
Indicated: 1 h 42 min
